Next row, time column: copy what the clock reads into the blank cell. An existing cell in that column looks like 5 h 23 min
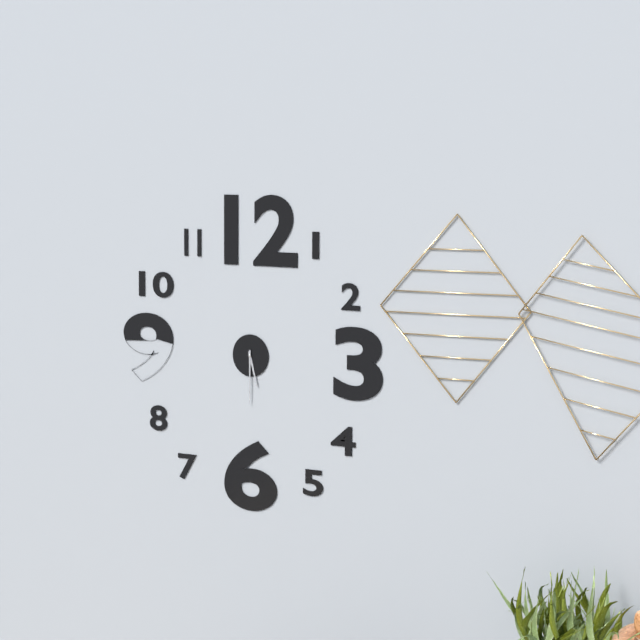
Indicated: 5 h 30 min
